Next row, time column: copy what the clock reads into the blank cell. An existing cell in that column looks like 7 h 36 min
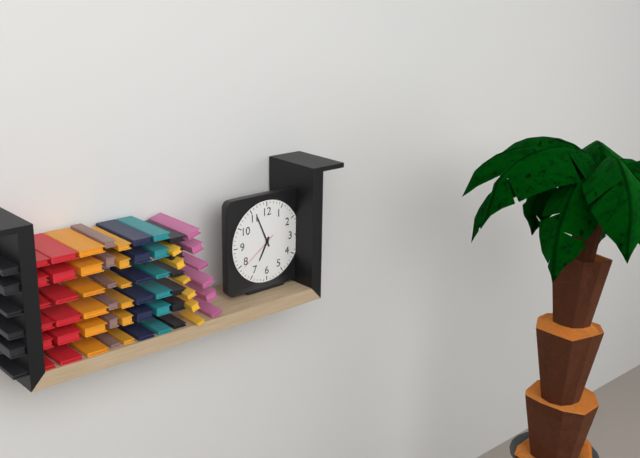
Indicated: 6 h 56 min
